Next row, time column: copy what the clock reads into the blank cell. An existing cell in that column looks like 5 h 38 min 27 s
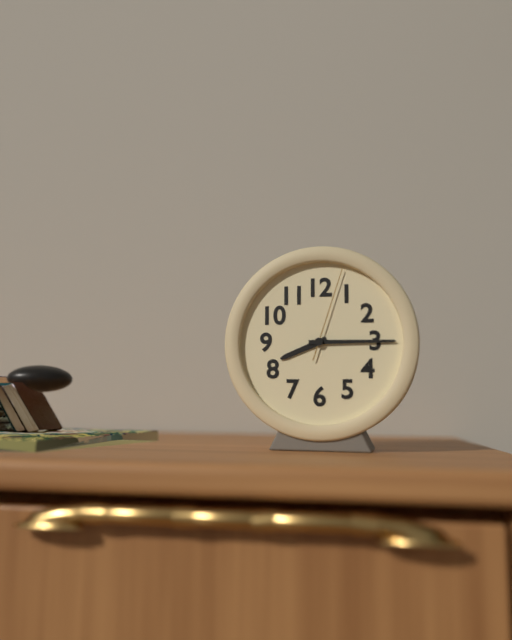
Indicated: 8 h 15 min 03 s
